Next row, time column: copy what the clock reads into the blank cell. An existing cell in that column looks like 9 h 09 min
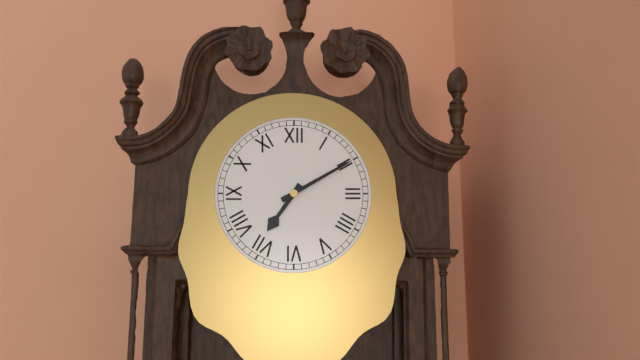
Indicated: 7 h 10 min
